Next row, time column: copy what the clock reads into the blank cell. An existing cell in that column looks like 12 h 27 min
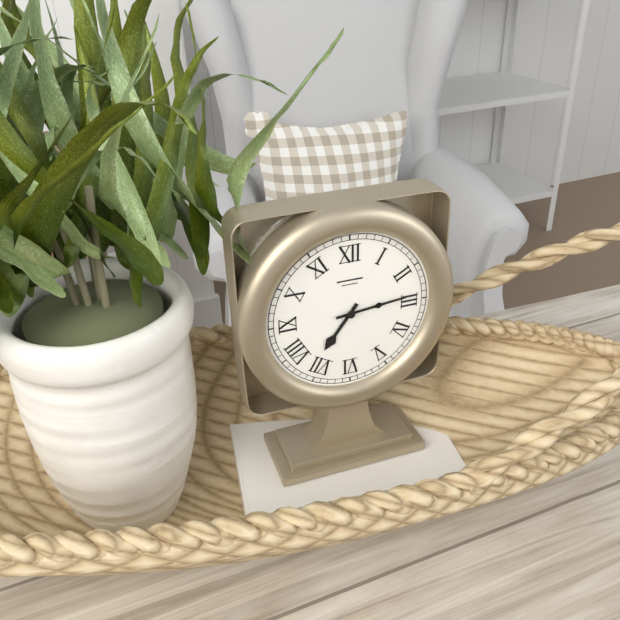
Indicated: 7 h 14 min
